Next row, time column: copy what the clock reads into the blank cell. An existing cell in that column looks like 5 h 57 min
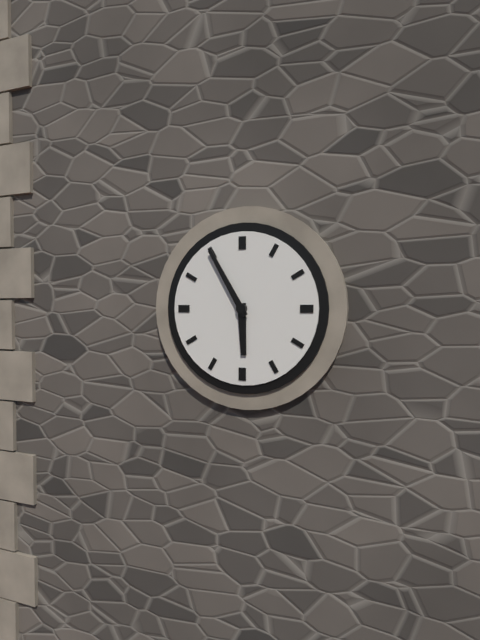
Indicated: 5 h 55 min
